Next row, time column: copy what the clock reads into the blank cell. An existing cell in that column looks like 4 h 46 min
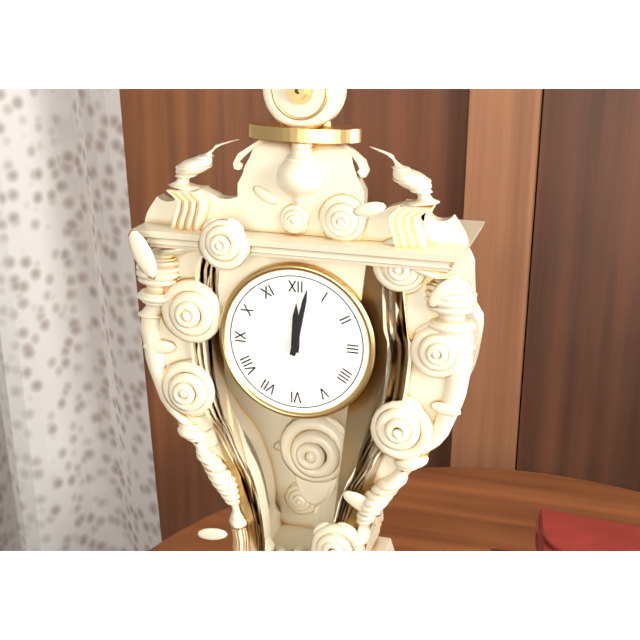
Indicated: 12 h 02 min
